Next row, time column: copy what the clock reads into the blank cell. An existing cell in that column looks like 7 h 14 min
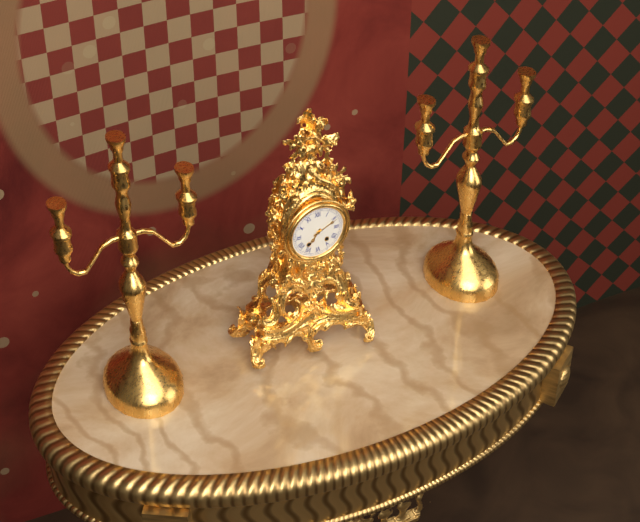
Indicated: 7 h 11 min
